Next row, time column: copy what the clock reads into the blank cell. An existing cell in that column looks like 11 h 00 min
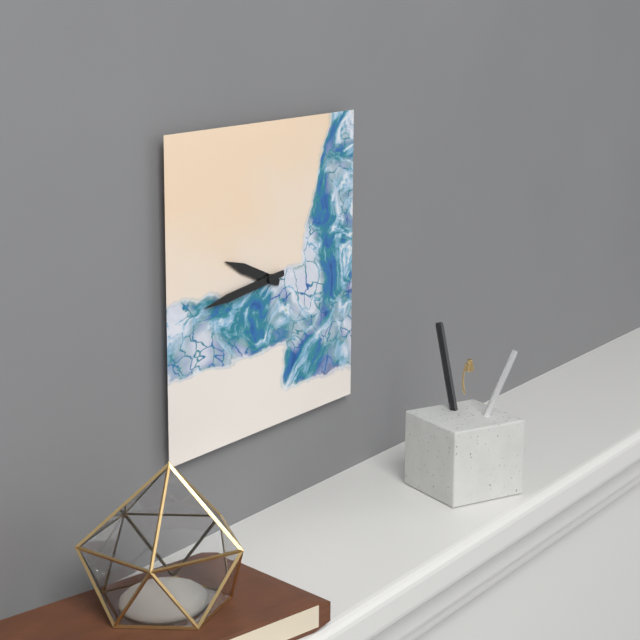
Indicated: 9 h 44 min
